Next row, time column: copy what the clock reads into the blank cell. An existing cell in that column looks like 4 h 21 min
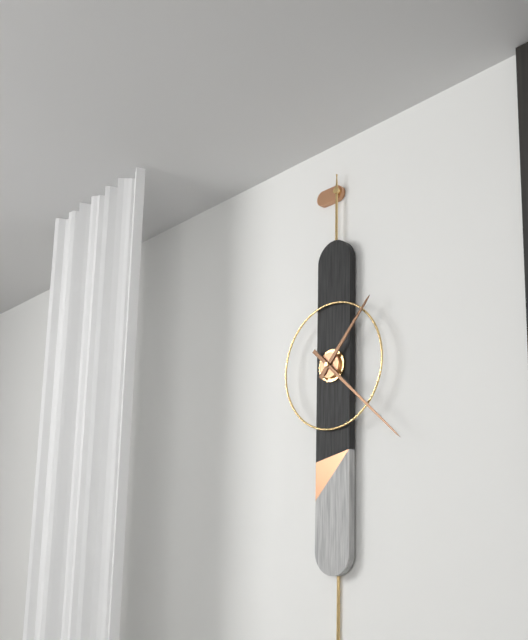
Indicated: 1 h 22 min
